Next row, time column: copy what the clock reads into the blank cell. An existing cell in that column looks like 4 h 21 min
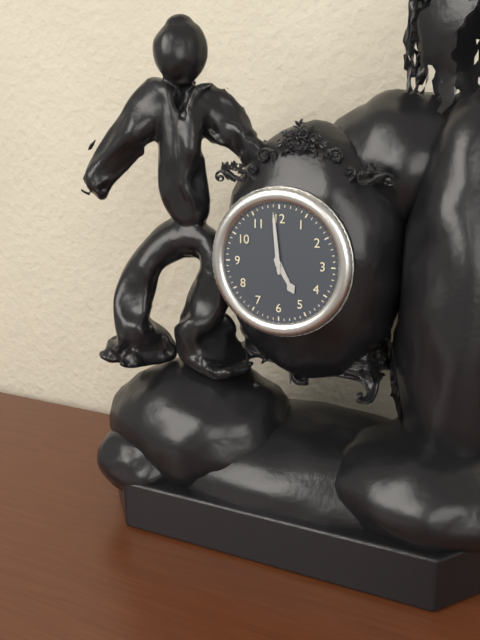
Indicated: 4 h 59 min
